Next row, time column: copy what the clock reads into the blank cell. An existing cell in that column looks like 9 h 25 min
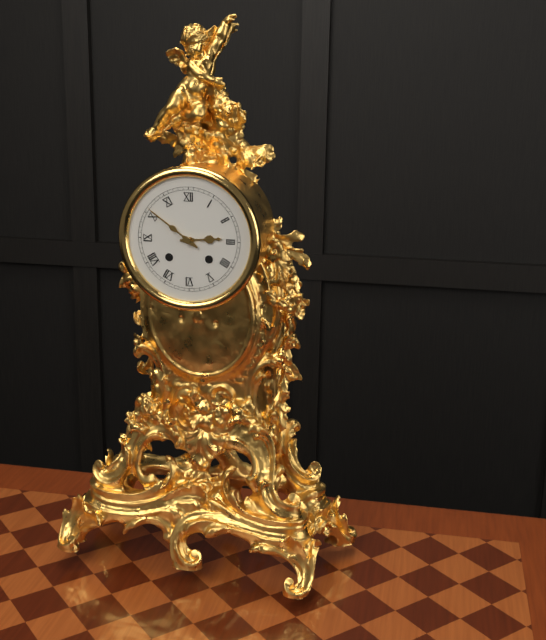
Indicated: 2 h 51 min
